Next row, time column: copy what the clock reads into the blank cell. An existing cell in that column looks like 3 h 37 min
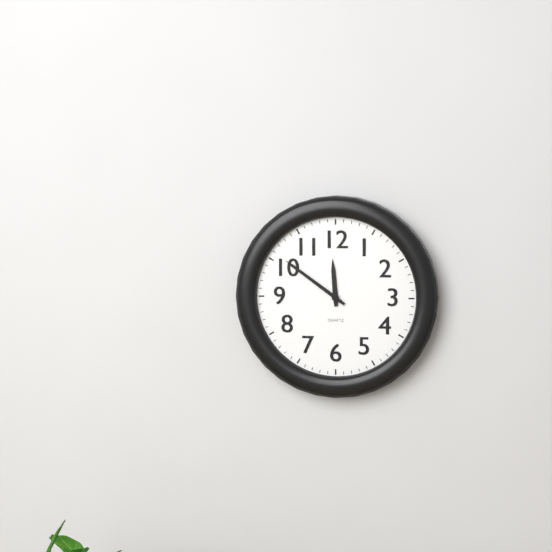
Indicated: 11 h 51 min
